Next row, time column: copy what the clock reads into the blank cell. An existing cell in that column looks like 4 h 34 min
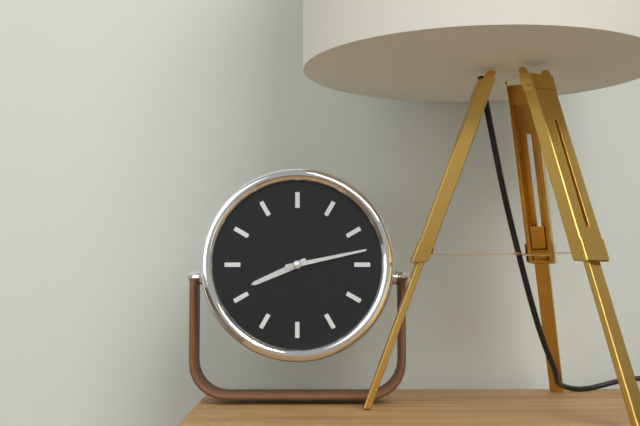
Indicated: 8 h 13 min
